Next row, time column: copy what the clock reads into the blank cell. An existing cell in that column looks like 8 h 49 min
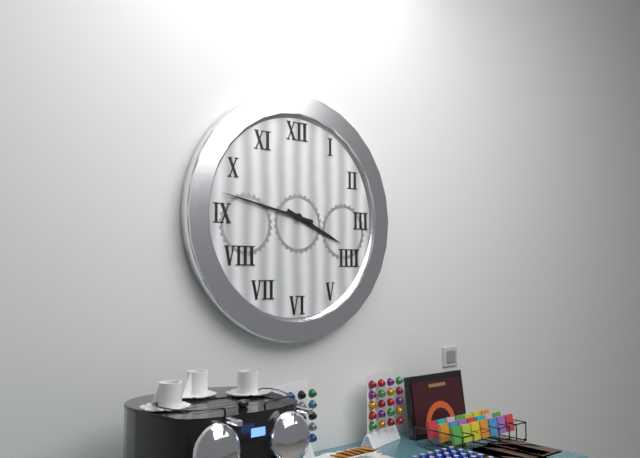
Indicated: 3 h 47 min
